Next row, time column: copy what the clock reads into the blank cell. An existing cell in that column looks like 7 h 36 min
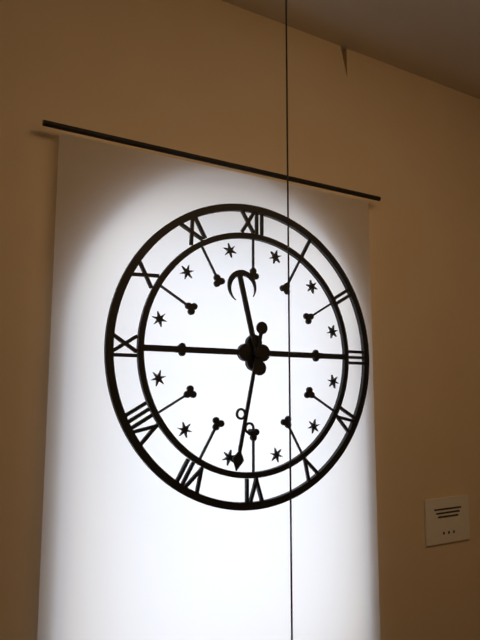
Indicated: 11 h 32 min
